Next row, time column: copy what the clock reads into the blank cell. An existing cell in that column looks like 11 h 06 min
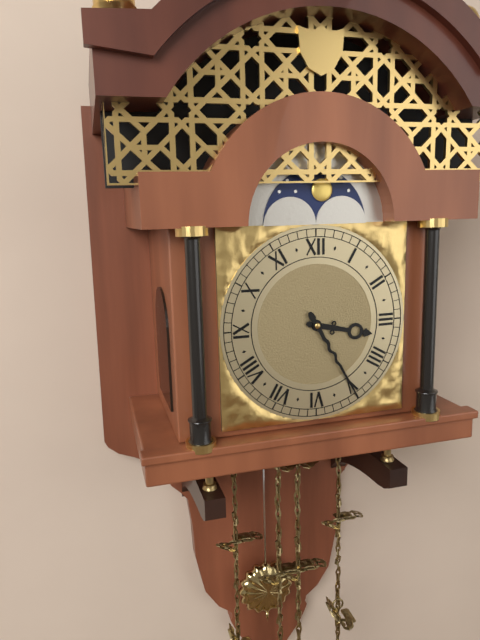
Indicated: 3 h 25 min
